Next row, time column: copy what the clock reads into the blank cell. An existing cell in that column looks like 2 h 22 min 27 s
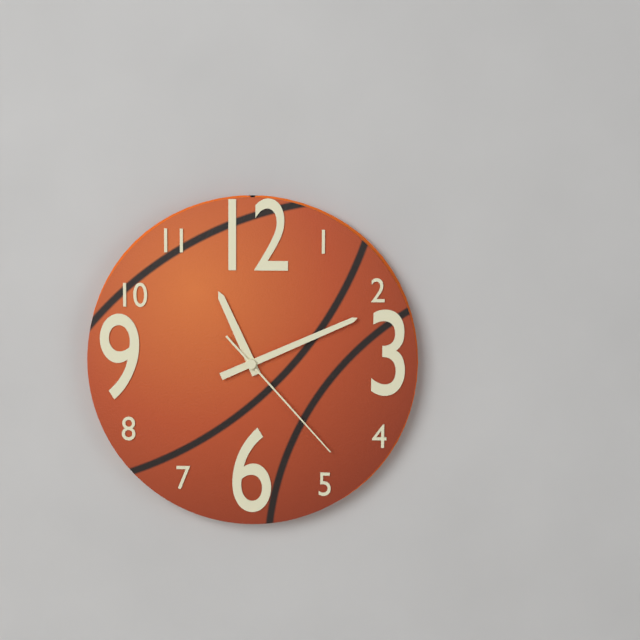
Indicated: 11 h 11 min 23 s
